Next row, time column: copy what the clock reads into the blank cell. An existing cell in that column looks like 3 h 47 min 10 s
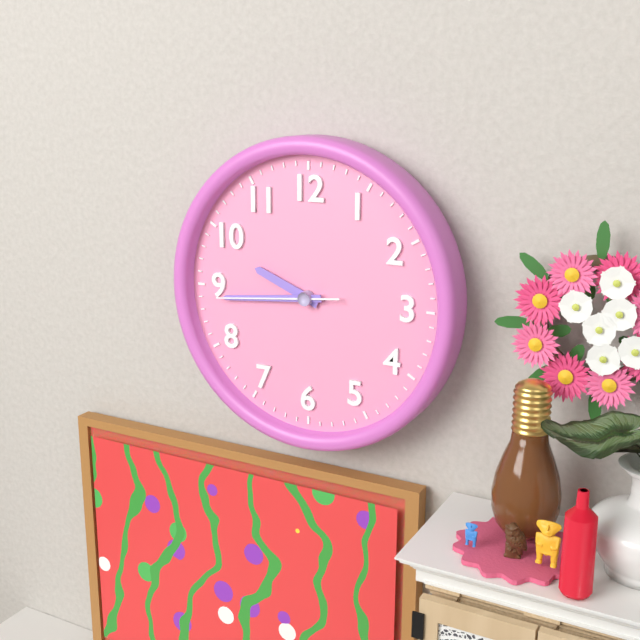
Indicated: 9 h 44 min 44 s
